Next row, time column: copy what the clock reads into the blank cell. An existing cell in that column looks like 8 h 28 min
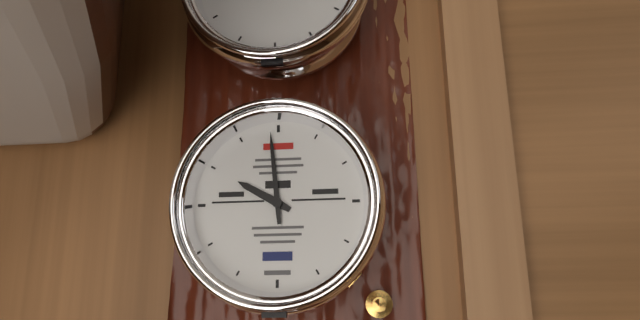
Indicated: 9 h 59 min
